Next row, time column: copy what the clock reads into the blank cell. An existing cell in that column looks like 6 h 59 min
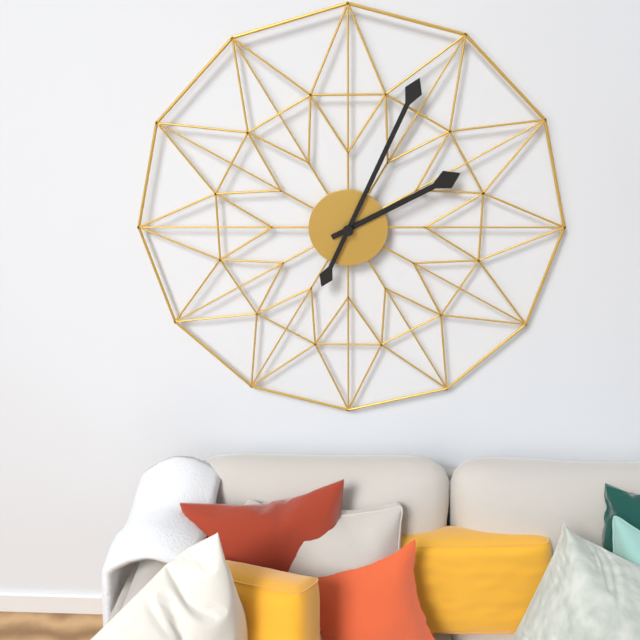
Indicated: 2 h 04 min
